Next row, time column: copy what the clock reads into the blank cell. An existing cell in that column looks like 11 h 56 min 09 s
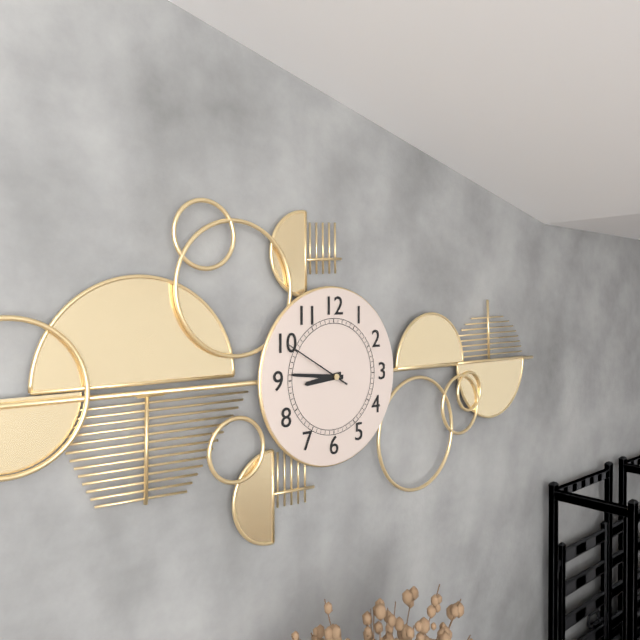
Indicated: 8 h 46 min 50 s
